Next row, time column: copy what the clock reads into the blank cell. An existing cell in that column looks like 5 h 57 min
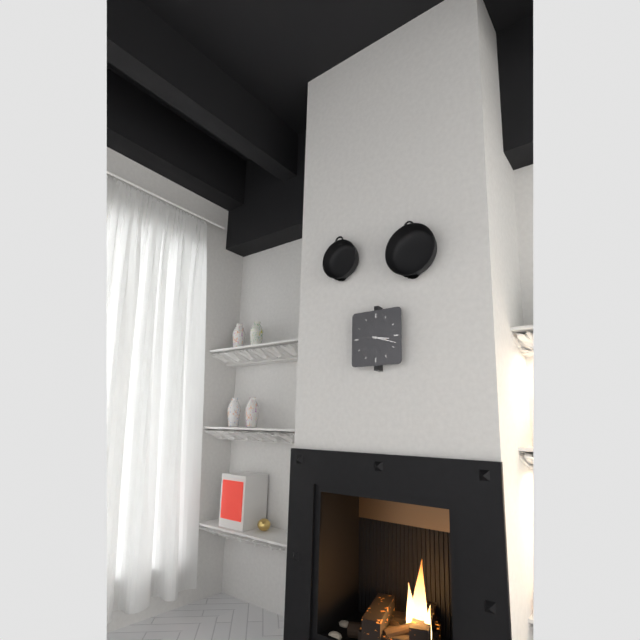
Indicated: 3 h 18 min
